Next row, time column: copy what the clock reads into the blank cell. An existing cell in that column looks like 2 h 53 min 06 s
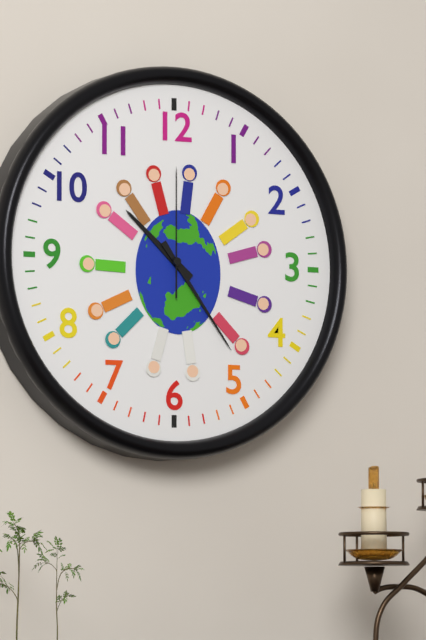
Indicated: 10 h 24 min 00 s
